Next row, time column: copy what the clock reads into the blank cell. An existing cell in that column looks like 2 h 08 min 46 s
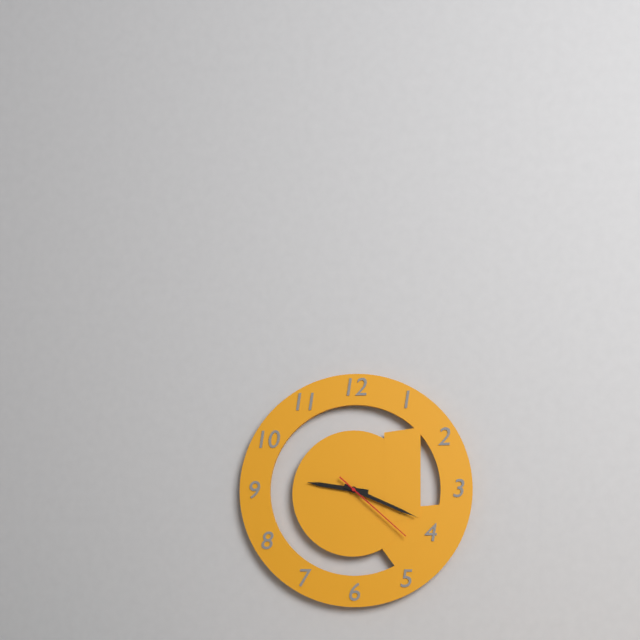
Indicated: 9 h 19 min 22 s
